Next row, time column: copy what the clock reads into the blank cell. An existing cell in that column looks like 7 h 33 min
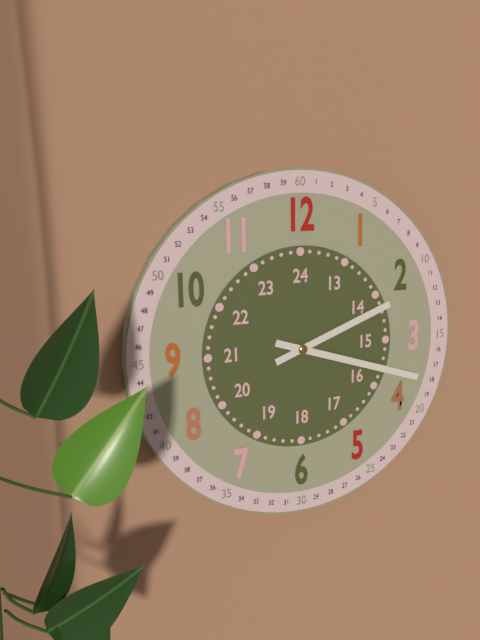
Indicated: 2 h 18 min
